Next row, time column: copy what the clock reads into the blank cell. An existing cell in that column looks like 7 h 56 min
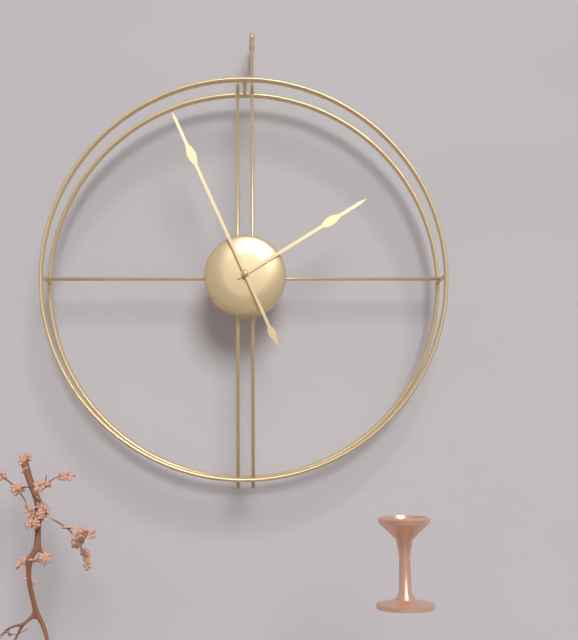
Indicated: 1 h 56 min
